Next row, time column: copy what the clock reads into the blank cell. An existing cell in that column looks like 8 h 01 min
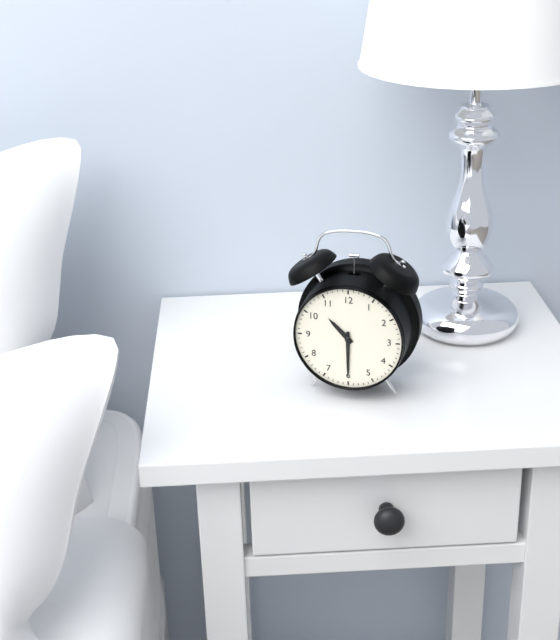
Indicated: 10 h 30 min
